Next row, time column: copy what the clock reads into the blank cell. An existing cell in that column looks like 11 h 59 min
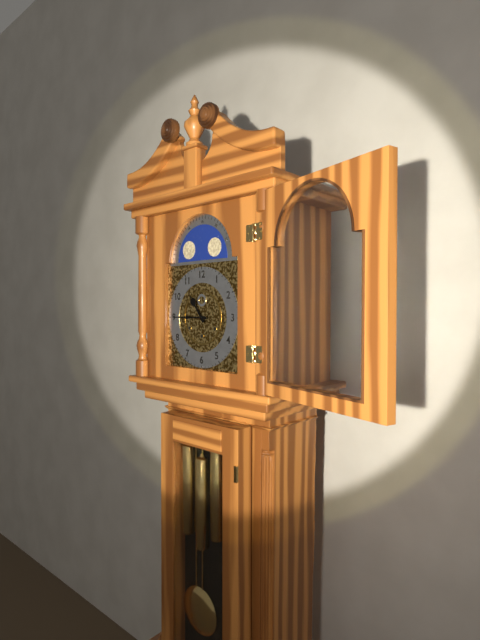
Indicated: 10 h 45 min
